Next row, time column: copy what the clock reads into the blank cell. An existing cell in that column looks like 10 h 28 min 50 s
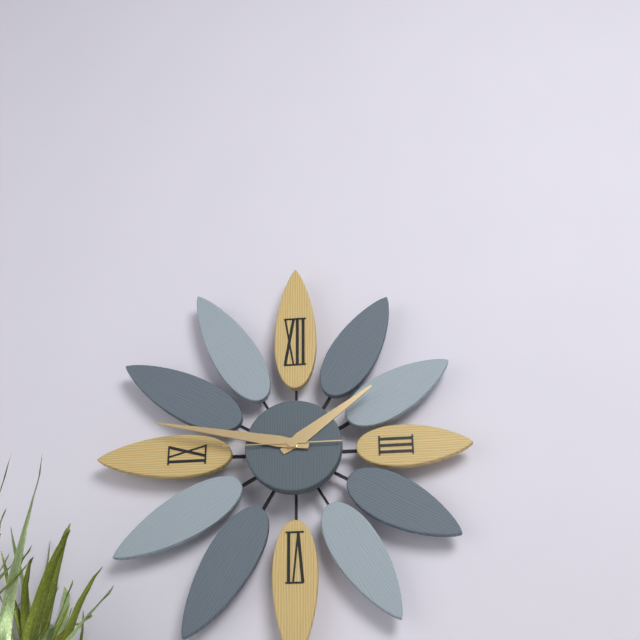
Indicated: 1 h 47 min 45 s
